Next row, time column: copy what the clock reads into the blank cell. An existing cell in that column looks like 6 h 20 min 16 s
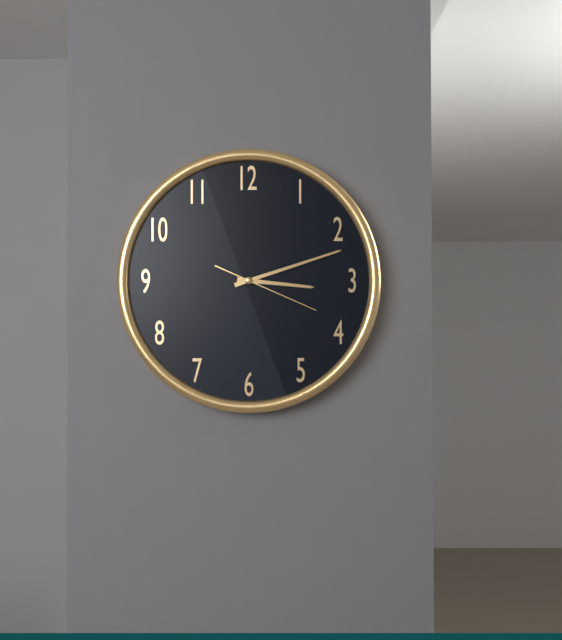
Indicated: 3 h 12 min 19 s
